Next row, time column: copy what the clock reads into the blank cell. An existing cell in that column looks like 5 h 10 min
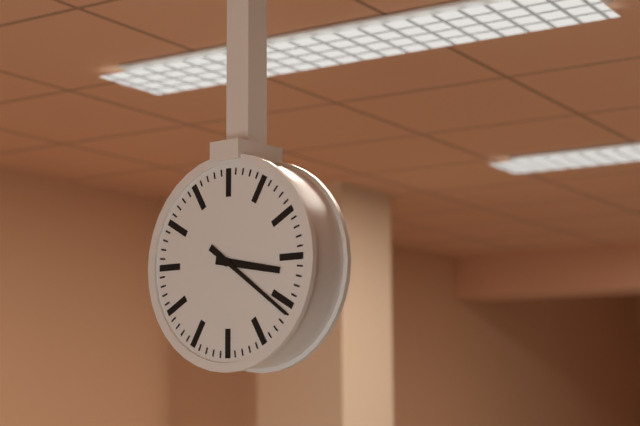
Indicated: 3 h 21 min
